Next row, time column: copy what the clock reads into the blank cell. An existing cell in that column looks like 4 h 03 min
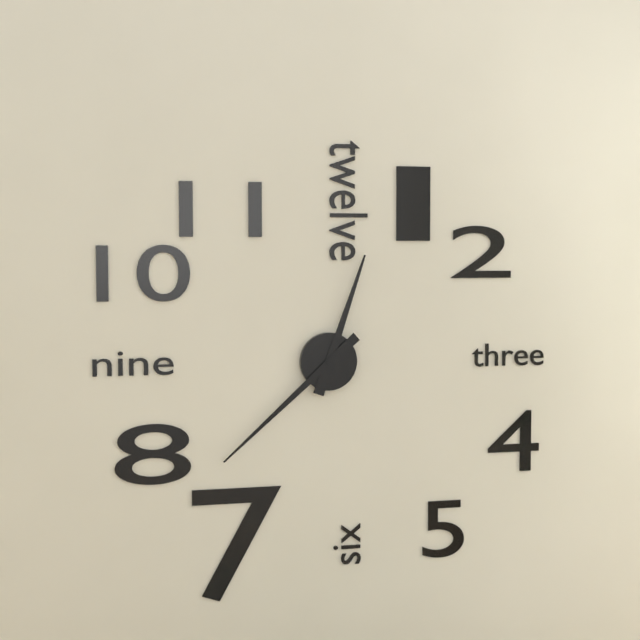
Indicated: 12 h 38 min
